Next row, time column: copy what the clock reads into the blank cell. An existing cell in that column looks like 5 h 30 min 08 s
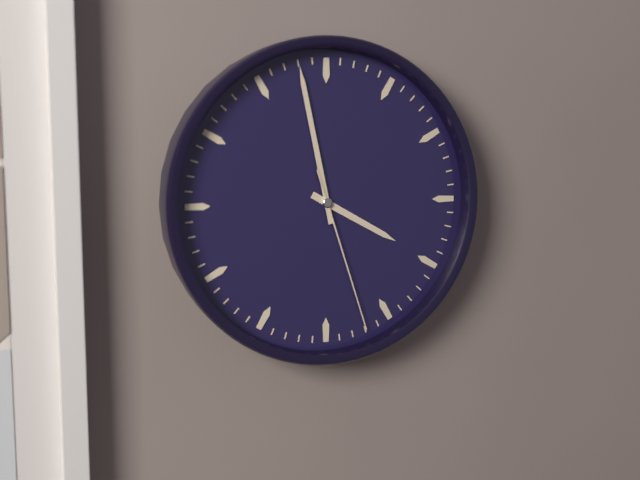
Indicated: 3 h 58 min 27 s
